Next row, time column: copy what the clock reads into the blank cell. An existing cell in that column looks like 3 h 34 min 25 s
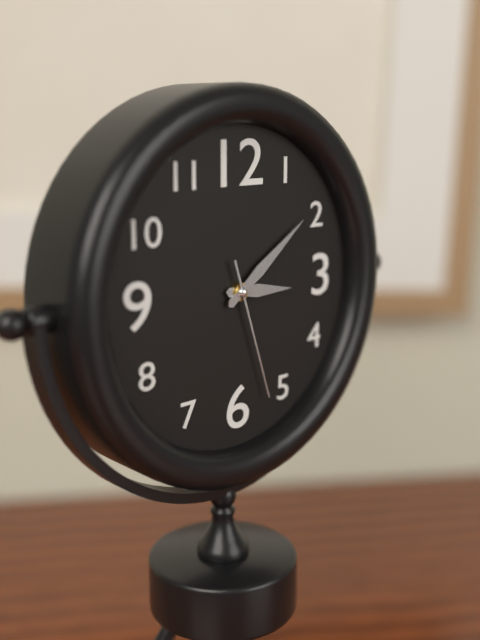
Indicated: 3 h 09 min 27 s
